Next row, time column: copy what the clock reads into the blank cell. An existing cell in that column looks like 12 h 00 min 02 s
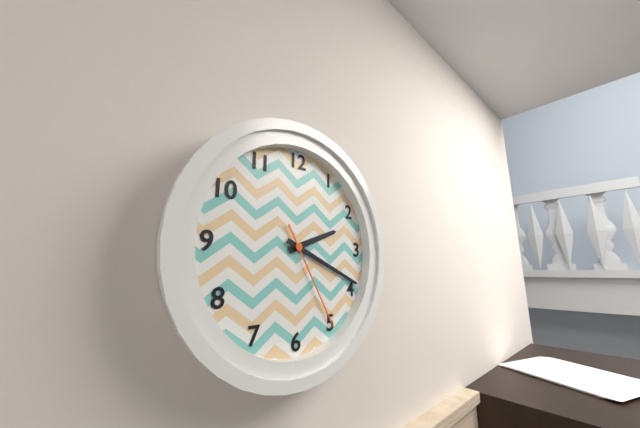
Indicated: 2 h 19 min 25 s
